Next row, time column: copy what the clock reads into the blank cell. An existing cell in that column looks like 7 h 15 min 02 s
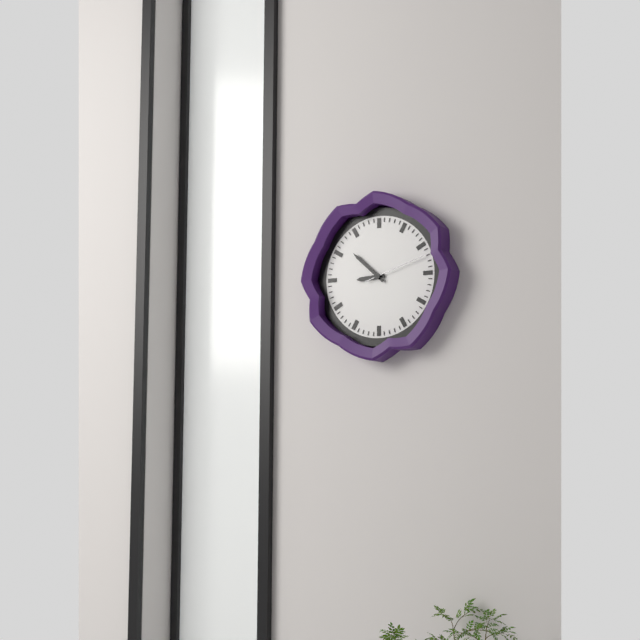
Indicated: 8 h 52 min 12 s
